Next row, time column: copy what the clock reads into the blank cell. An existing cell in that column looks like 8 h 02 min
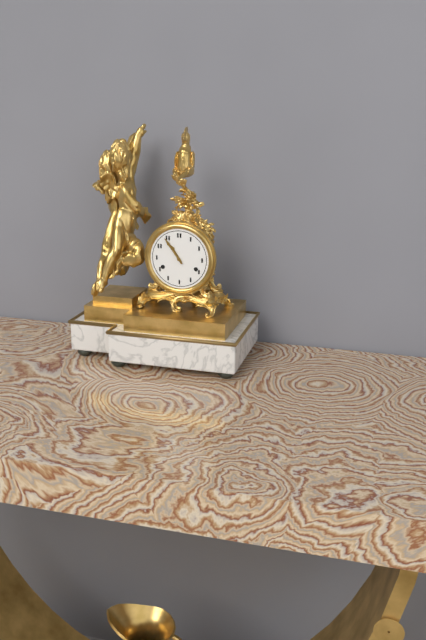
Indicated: 10 h 54 min
